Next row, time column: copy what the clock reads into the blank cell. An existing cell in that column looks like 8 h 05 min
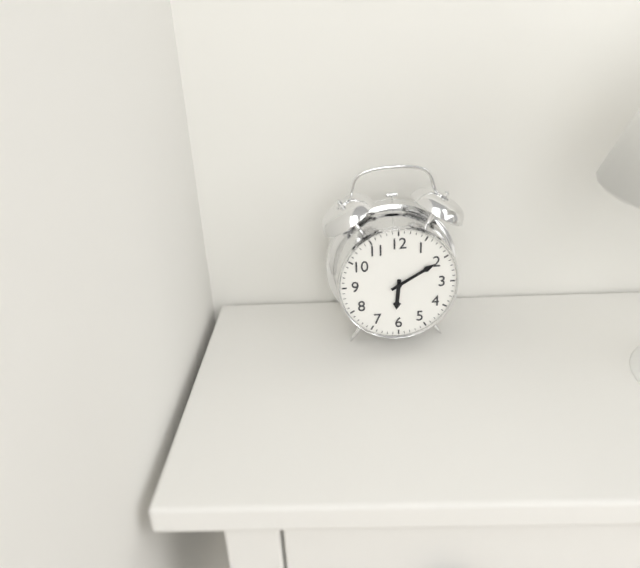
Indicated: 6 h 10 min
